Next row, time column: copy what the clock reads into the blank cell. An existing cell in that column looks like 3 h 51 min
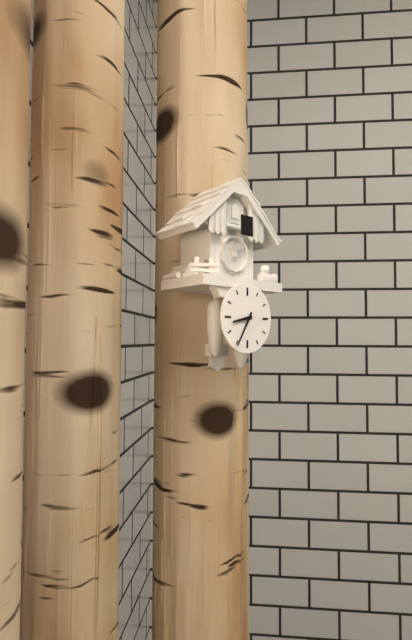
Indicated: 8 h 35 min
